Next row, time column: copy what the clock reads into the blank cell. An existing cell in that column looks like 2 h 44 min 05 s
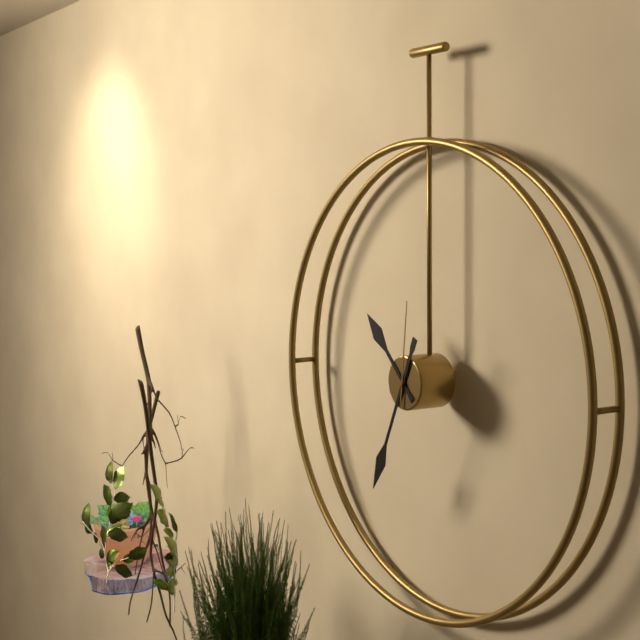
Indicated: 10 h 34 min 01 s
